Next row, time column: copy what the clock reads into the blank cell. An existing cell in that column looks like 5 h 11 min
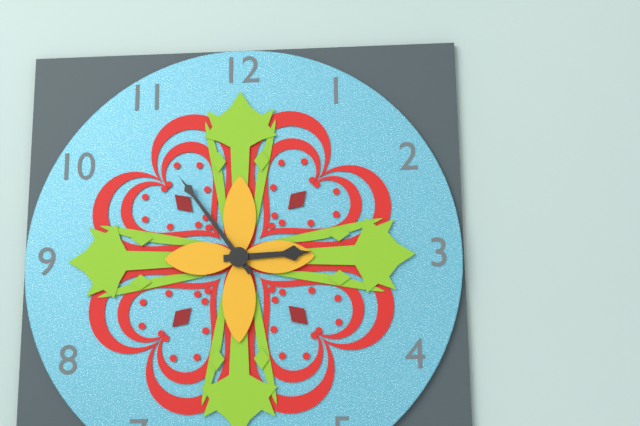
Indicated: 2 h 54 min
